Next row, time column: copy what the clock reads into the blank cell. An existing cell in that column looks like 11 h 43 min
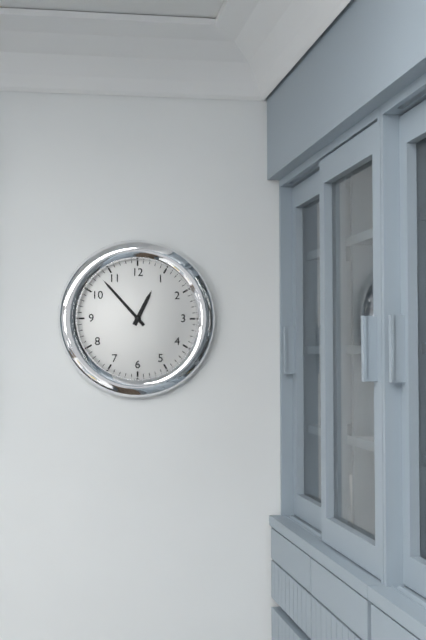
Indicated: 12 h 53 min
